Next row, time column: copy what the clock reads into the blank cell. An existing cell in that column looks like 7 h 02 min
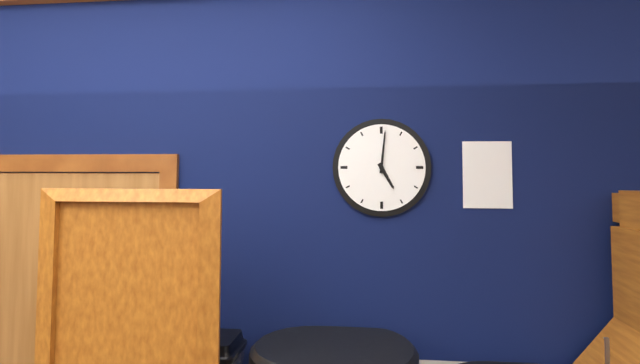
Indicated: 5 h 01 min
